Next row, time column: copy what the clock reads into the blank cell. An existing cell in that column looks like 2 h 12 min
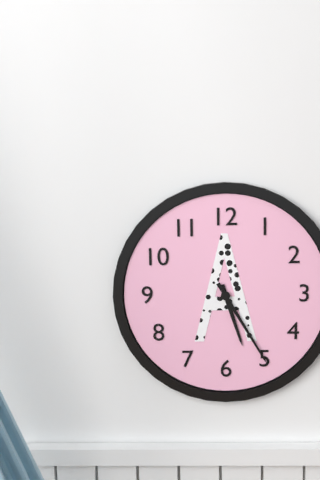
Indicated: 5 h 25 min
